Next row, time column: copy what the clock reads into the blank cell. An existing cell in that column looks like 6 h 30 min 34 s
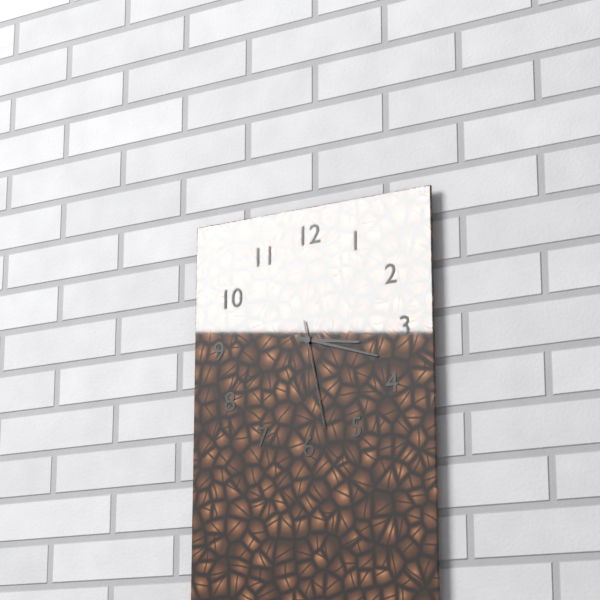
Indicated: 3 h 18 min 28 s
